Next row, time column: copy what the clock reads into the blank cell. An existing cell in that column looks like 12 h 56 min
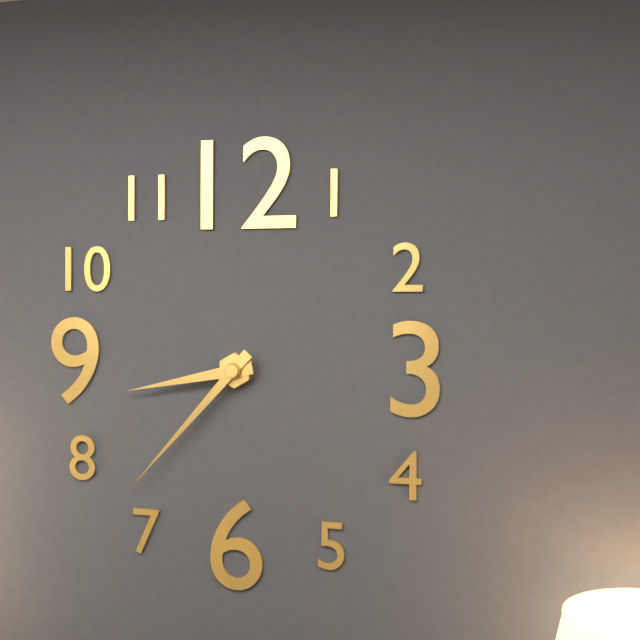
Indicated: 8 h 37 min
